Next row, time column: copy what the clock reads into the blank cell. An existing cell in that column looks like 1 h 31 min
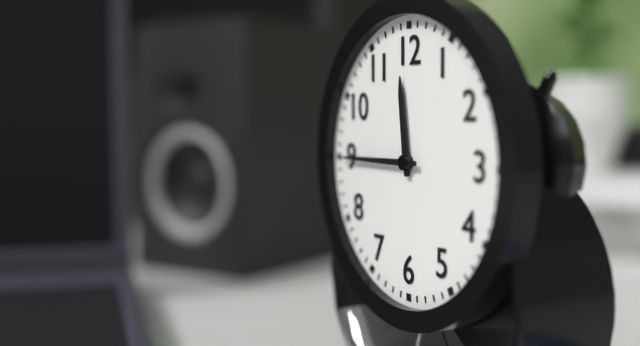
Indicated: 11 h 45 min
